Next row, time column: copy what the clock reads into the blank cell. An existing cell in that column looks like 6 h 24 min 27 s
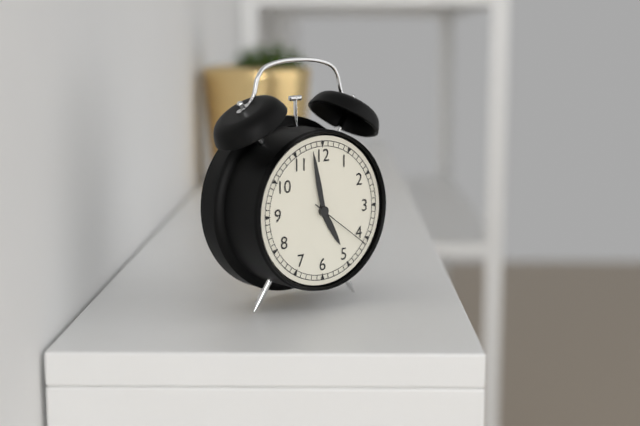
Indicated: 4 h 58 min 21 s
